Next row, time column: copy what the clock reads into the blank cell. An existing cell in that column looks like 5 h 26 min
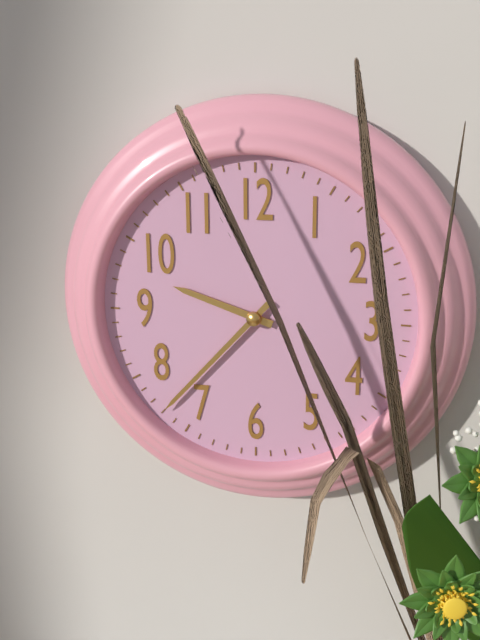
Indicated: 9 h 37 min
